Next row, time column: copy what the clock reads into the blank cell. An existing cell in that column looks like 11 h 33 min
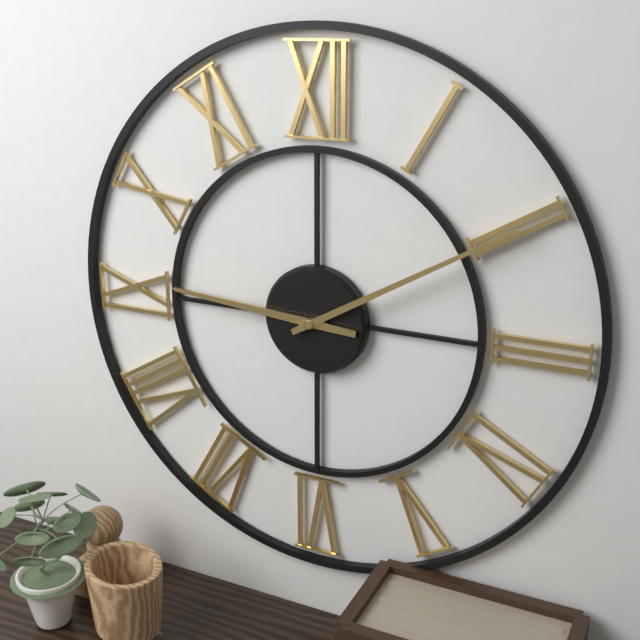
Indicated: 9 h 10 min
